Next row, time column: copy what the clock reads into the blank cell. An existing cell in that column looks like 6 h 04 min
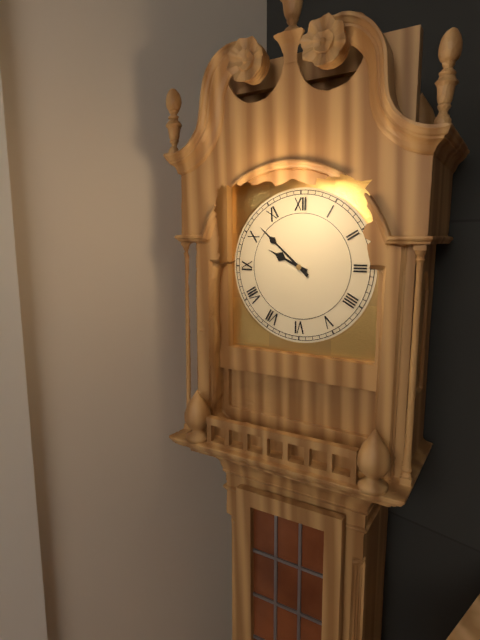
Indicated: 9 h 52 min
